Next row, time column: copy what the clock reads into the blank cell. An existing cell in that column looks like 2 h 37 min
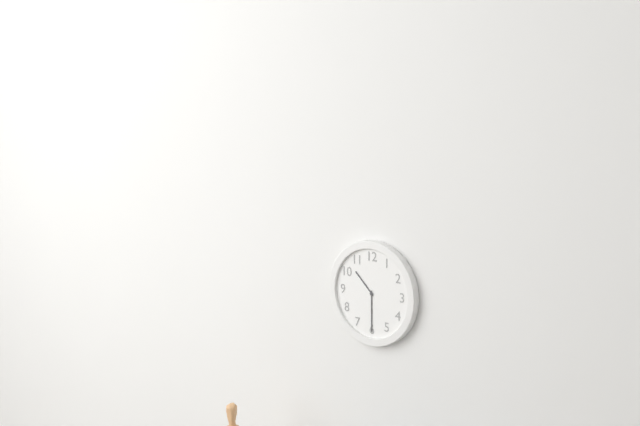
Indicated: 10 h 30 min
